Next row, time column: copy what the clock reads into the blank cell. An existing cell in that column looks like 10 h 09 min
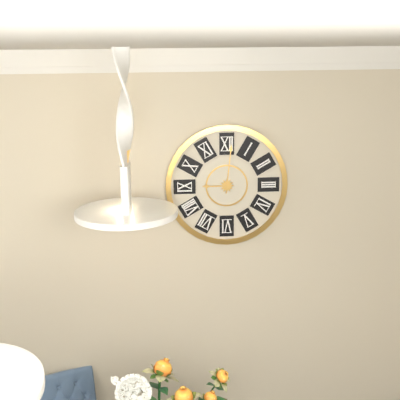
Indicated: 9 h 01 min
